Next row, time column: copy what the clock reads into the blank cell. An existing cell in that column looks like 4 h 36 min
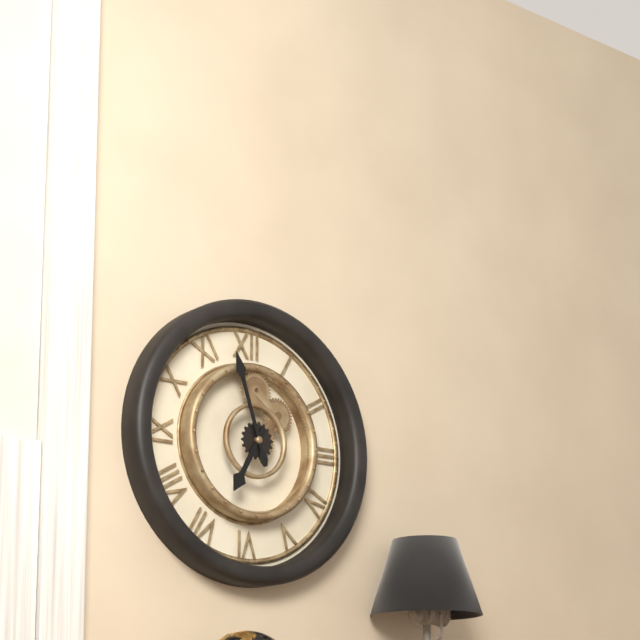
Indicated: 6 h 57 min
